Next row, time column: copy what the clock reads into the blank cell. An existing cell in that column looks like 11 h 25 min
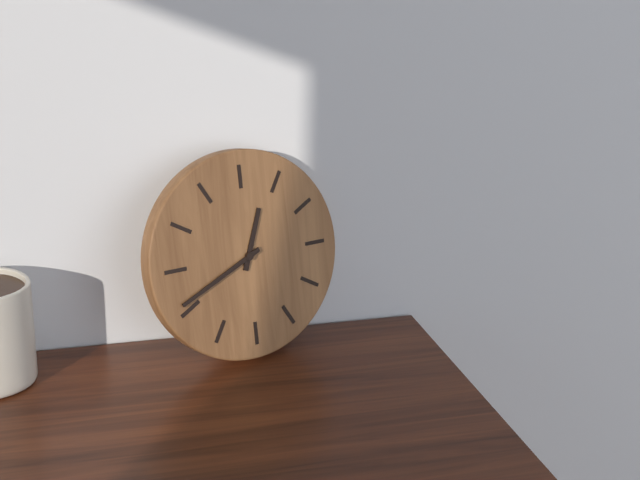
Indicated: 12 h 41 min
